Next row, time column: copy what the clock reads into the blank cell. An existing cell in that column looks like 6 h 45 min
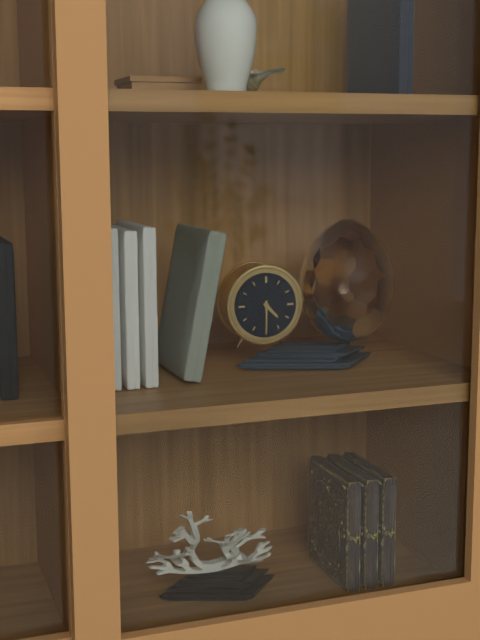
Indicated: 4 h 30 min
